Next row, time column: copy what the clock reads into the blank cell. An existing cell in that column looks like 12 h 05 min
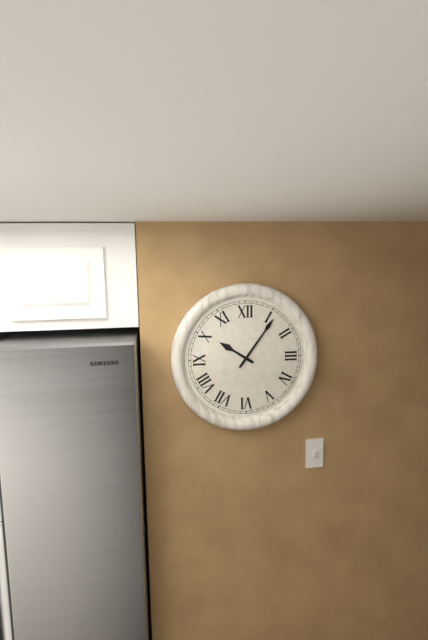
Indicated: 10 h 06 min
